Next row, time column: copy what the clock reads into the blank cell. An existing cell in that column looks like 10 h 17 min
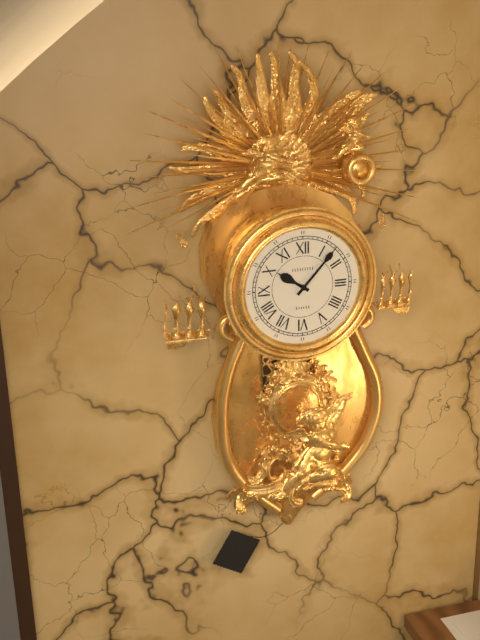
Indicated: 10 h 07 min
